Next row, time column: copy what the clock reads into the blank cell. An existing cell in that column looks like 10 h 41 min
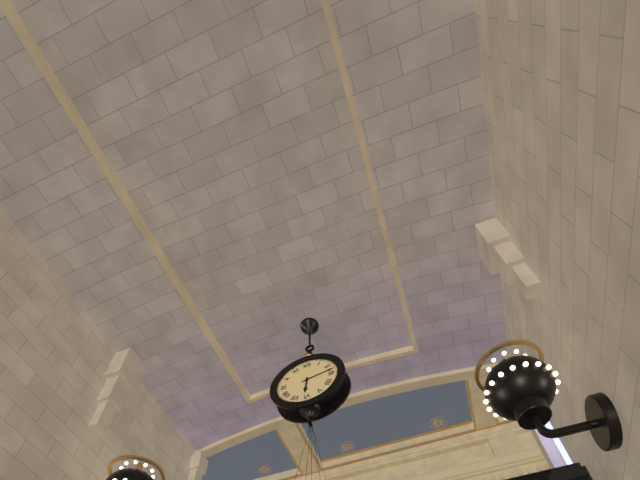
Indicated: 6 h 13 min
